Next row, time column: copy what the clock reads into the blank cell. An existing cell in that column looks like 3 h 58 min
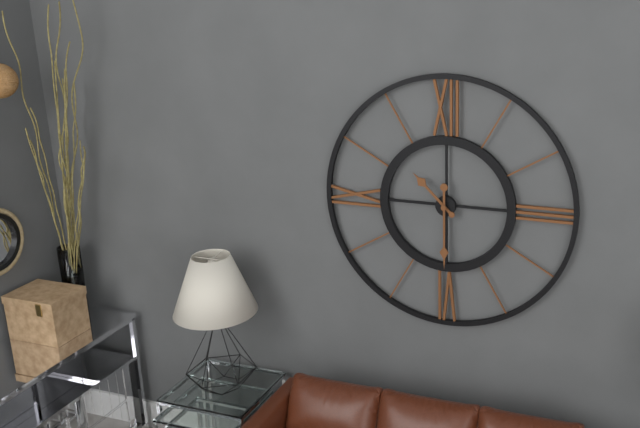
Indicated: 10 h 30 min
